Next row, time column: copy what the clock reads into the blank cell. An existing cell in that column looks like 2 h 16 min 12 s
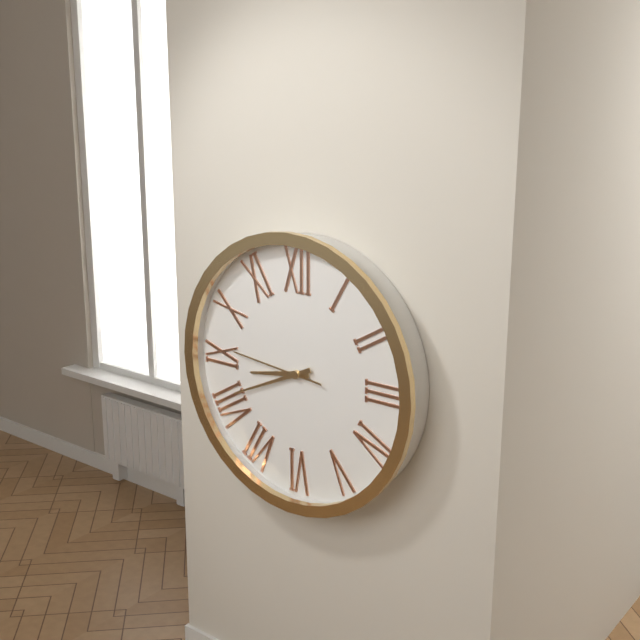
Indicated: 8 h 41 min 46 s
